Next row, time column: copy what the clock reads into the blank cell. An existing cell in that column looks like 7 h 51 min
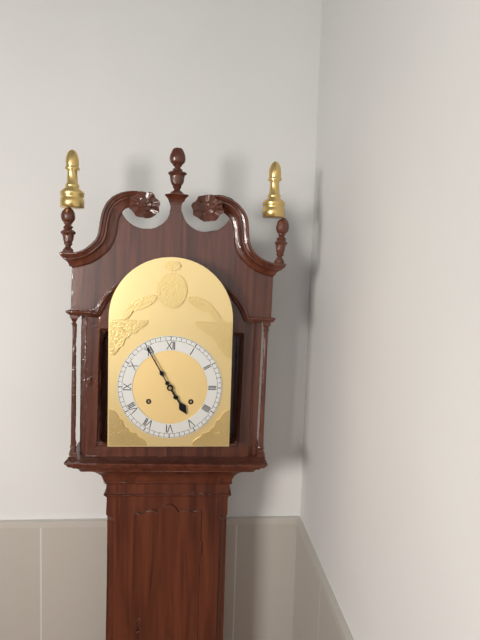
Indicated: 4 h 55 min
